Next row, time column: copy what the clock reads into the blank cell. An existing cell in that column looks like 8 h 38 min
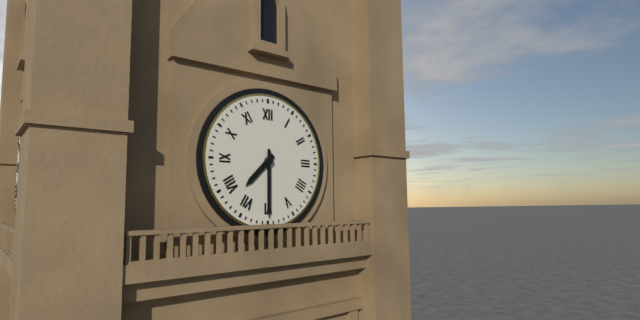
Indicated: 7 h 30 min
